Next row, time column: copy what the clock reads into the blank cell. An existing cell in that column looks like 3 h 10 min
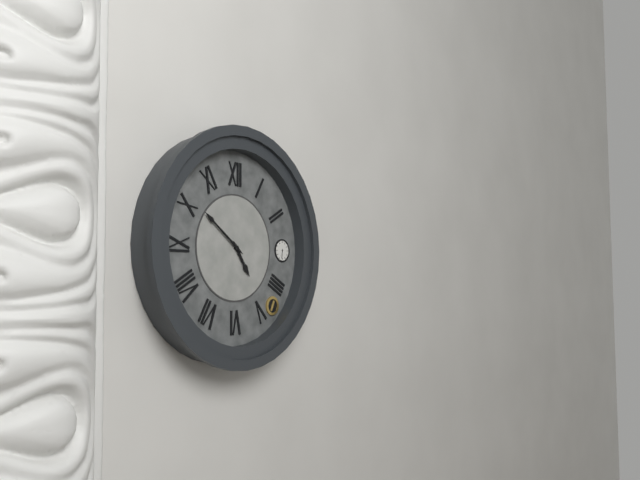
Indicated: 4 h 51 min
